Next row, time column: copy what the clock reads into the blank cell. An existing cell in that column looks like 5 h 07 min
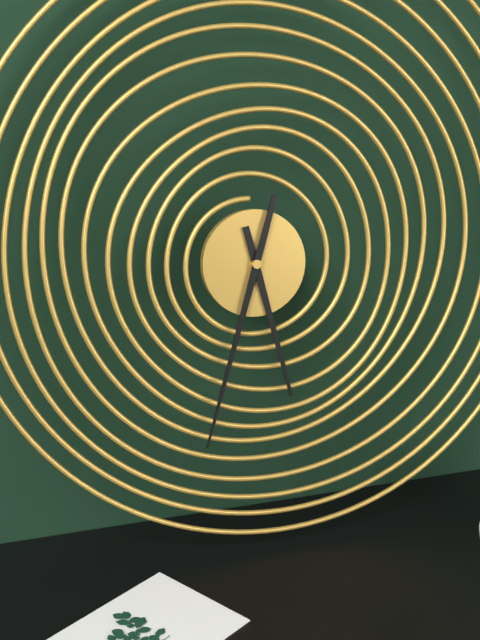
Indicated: 5 h 33 min
